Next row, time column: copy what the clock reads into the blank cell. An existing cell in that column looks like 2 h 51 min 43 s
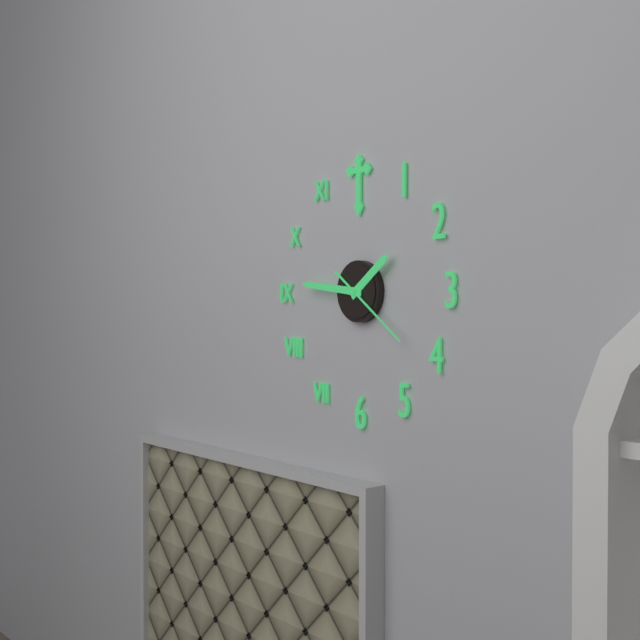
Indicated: 1 h 46 min 21 s
